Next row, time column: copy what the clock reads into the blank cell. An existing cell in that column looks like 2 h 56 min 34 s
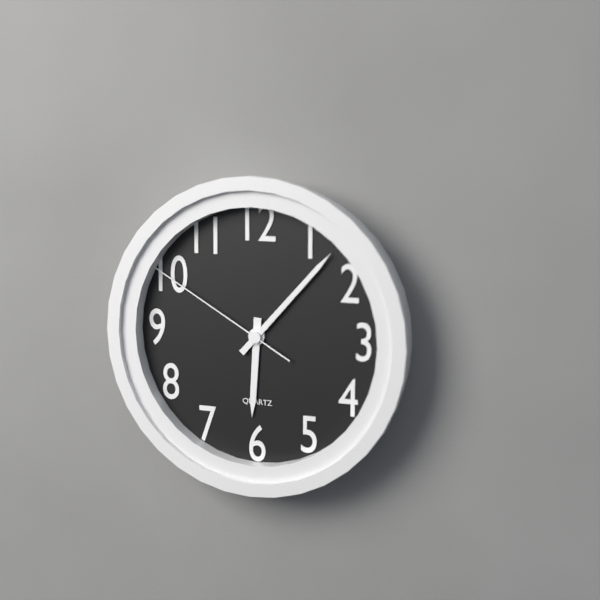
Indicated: 6 h 07 min 50 s
